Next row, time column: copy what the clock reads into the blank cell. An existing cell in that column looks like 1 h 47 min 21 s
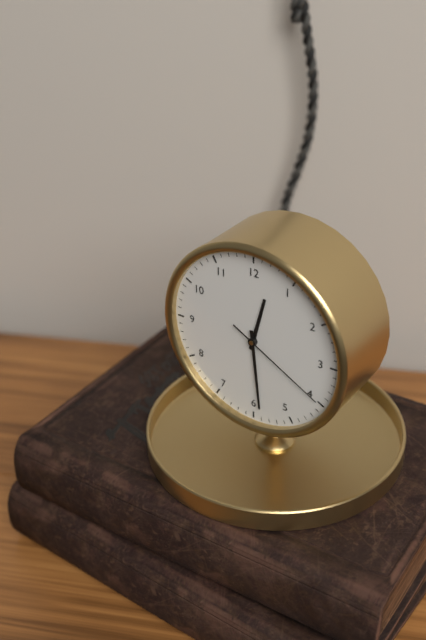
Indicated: 12 h 29 min 20 s
